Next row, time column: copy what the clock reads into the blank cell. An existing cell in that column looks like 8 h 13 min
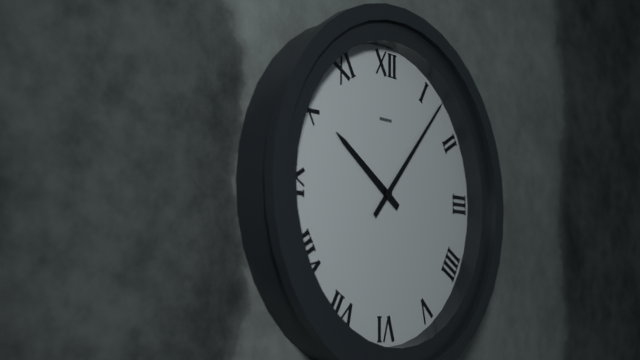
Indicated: 10 h 07 min
